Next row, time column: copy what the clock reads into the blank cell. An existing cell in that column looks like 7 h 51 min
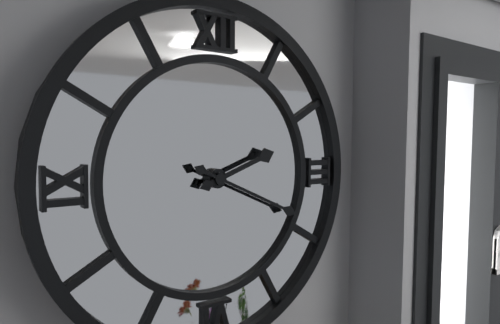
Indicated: 2 h 19 min
